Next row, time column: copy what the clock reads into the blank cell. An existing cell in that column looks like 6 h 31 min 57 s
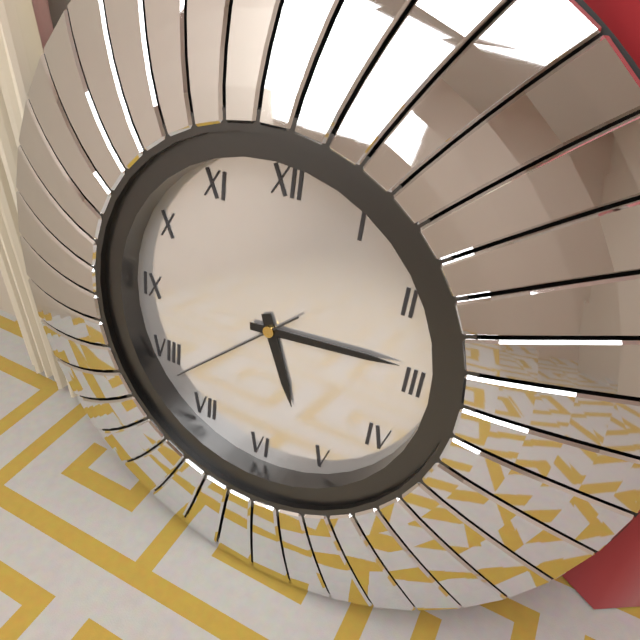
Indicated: 5 h 14 min 38 s
